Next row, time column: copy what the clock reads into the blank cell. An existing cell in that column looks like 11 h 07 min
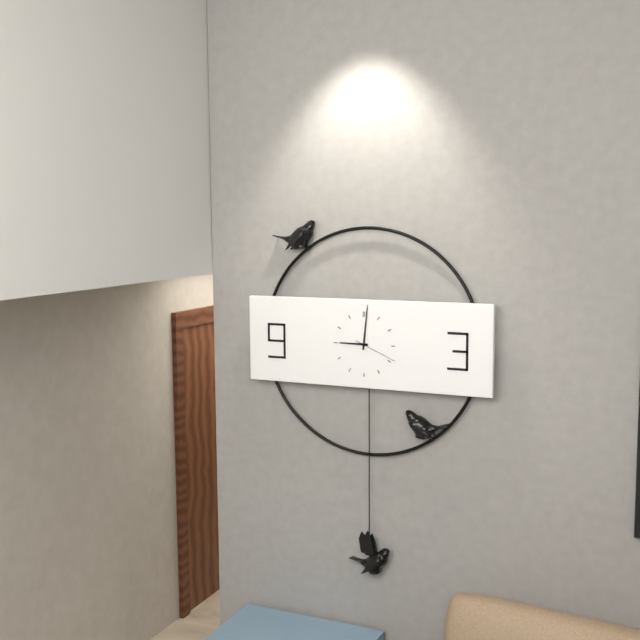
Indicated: 9 h 01 min
